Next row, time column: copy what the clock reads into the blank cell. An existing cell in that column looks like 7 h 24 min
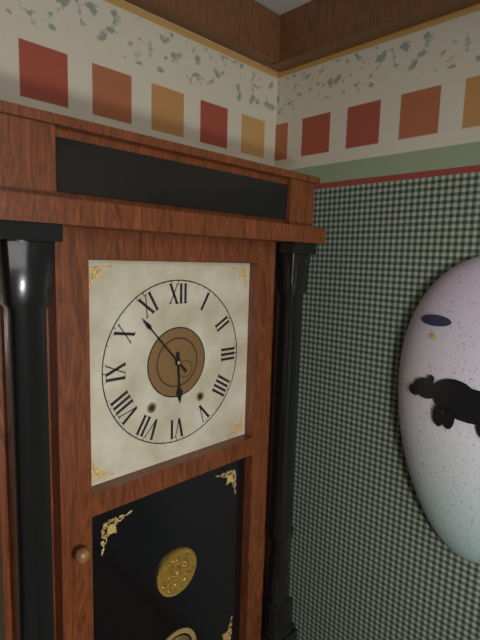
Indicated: 5 h 53 min
